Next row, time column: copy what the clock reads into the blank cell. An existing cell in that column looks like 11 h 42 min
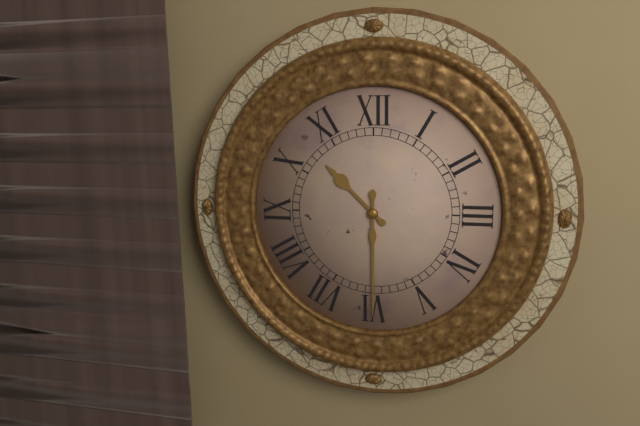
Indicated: 10 h 30 min
